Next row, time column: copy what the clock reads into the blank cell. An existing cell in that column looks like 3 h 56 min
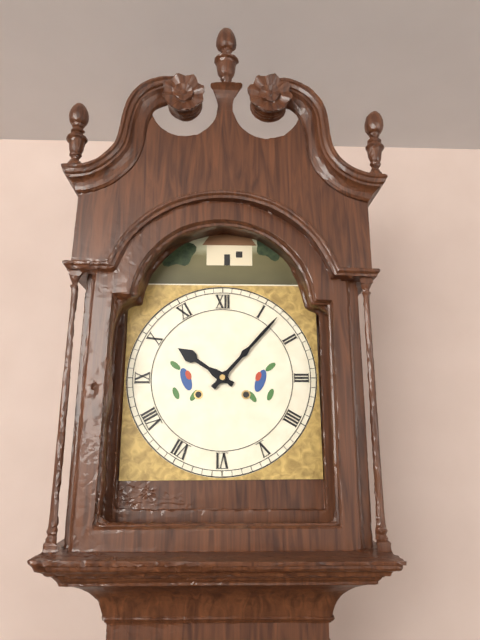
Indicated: 10 h 07 min
